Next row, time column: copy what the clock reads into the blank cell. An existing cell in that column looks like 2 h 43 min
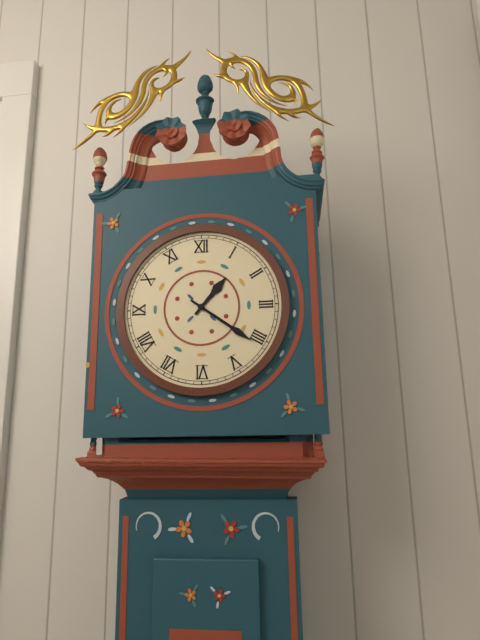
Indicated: 1 h 21 min
